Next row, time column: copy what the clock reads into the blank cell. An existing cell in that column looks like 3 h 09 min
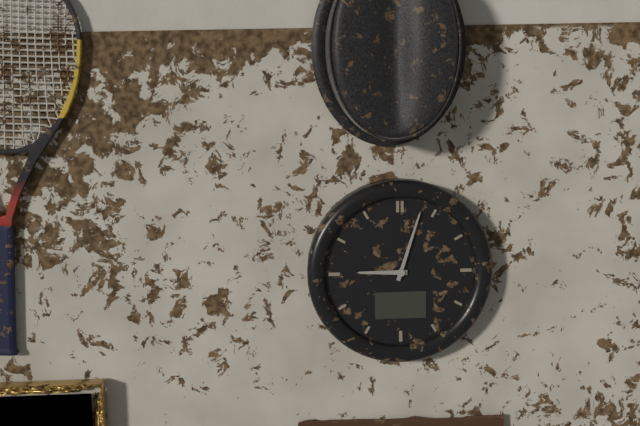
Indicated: 9 h 03 min
